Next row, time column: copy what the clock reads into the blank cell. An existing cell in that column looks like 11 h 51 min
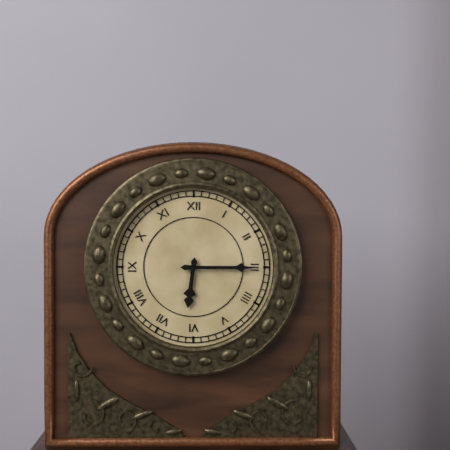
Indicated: 6 h 15 min
